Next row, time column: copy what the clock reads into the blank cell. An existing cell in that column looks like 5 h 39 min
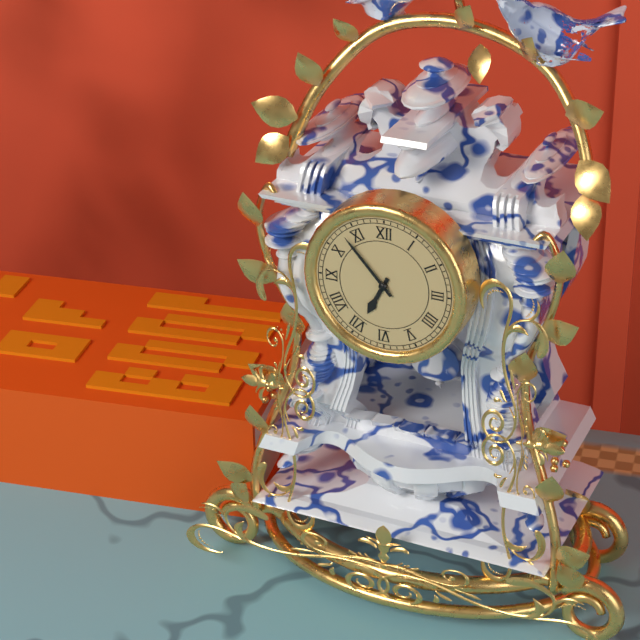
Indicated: 6 h 53 min
